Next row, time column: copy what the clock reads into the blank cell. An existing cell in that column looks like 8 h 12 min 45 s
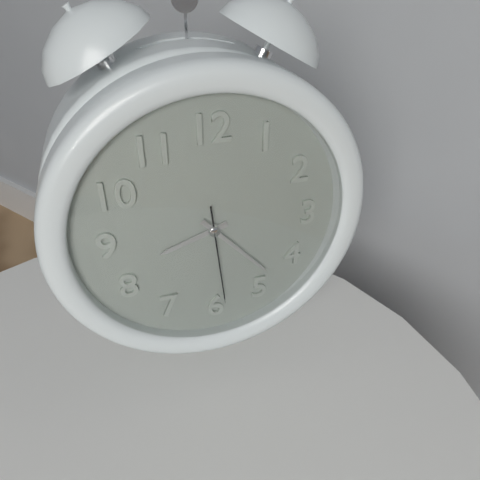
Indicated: 8 h 23 min 29 s
